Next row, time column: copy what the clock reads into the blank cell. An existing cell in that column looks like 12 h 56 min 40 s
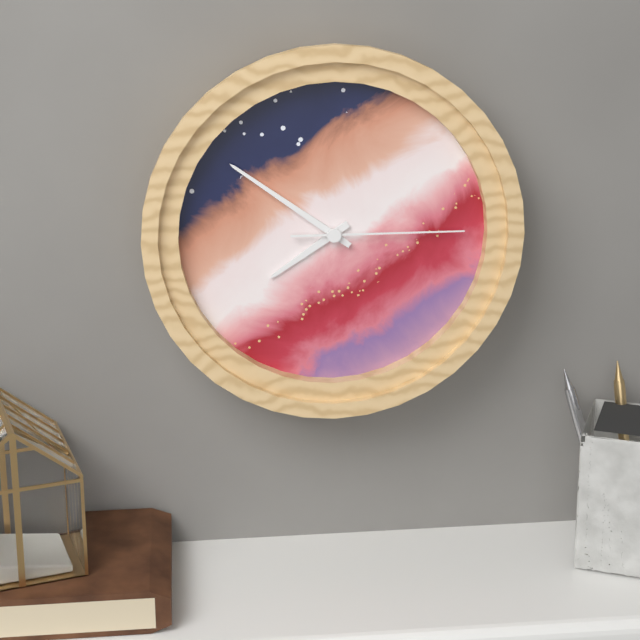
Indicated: 7 h 51 min 15 s
